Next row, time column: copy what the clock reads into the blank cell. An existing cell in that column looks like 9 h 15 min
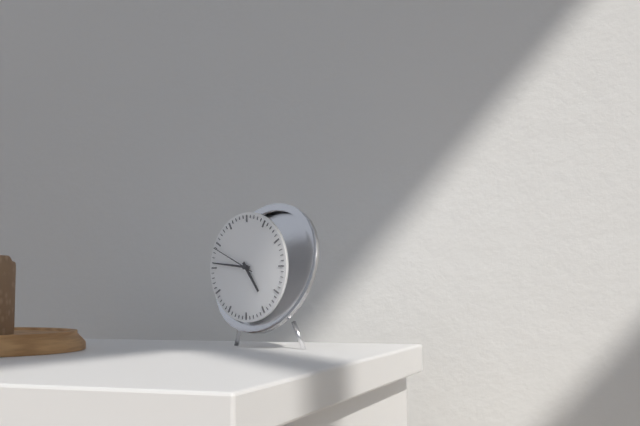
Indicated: 4 h 46 min
